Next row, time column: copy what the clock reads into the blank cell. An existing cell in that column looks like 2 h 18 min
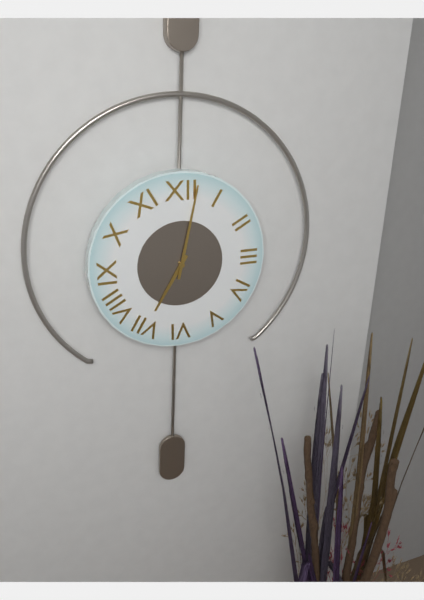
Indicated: 7 h 02 min
